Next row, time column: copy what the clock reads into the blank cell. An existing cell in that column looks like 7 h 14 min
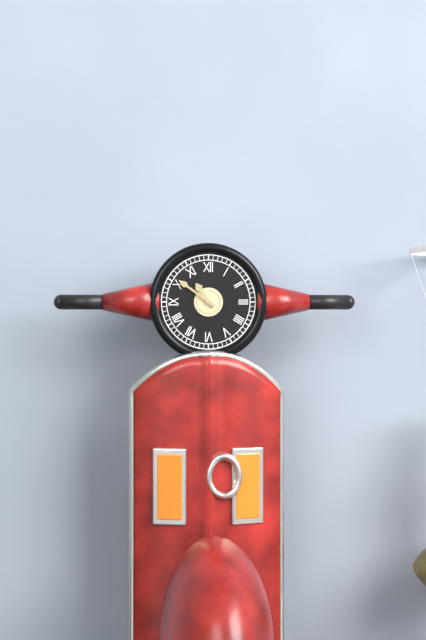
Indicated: 10 h 51 min
